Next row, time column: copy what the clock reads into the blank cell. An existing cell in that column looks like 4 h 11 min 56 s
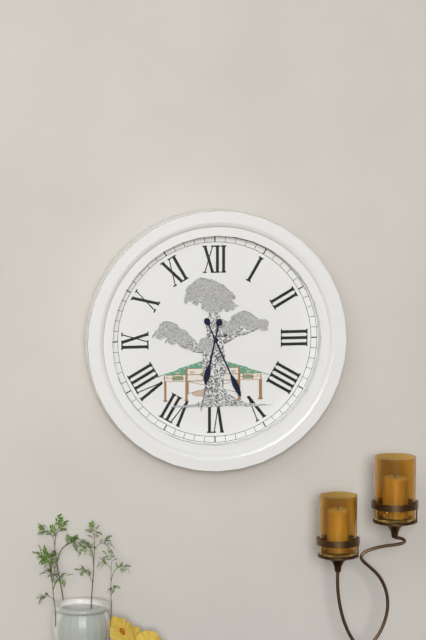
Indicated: 6 h 26 min 32 s
